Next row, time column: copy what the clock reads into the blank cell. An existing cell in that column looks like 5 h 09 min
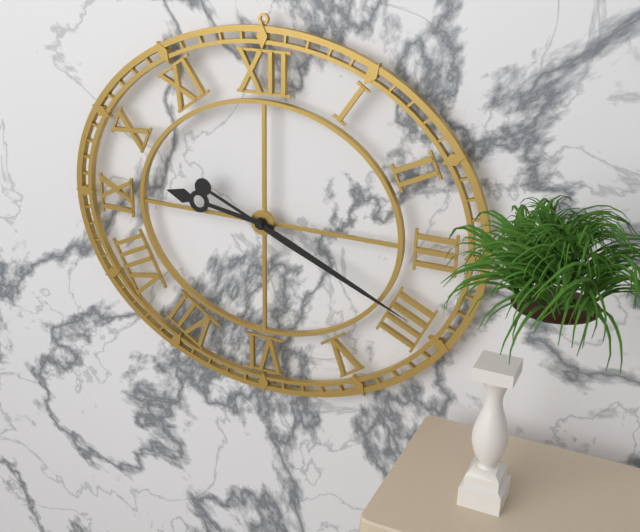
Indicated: 9 h 19 min
